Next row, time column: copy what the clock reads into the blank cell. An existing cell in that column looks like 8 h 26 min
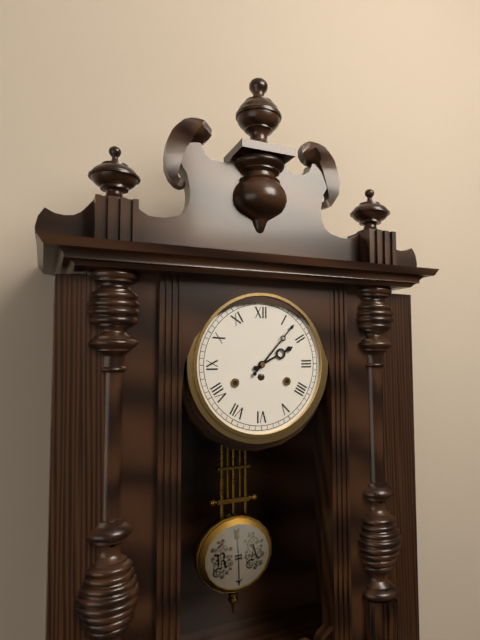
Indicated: 2 h 07 min
